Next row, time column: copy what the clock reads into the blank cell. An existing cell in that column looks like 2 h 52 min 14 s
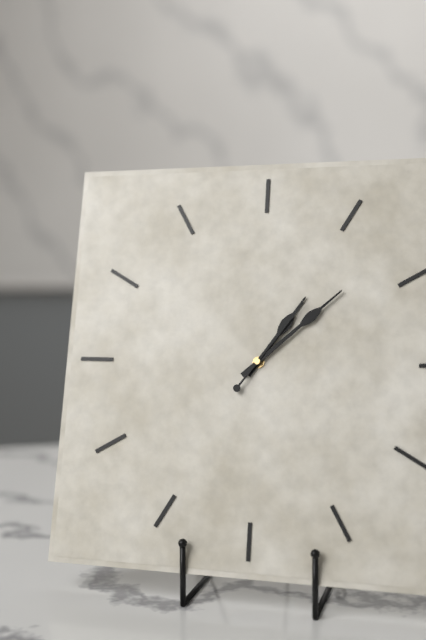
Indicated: 1 h 08 min 06 s
